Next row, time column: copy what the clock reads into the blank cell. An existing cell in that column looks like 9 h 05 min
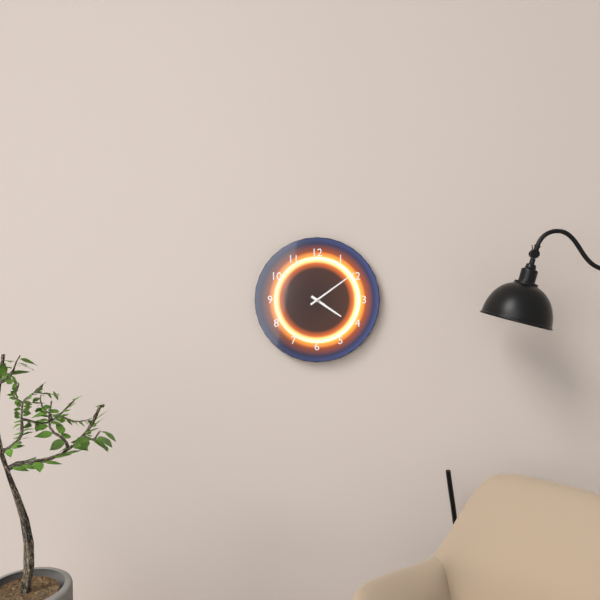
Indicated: 4 h 09 min
